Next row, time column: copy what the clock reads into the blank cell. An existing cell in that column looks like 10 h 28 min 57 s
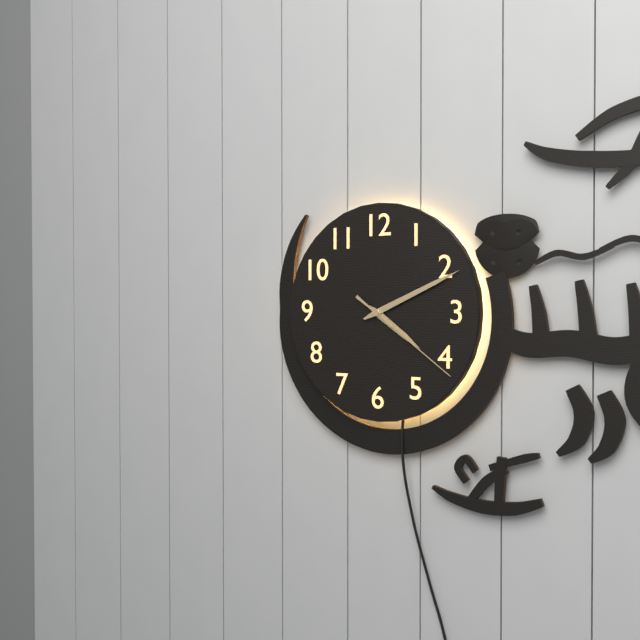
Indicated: 4 h 11 min 21 s
